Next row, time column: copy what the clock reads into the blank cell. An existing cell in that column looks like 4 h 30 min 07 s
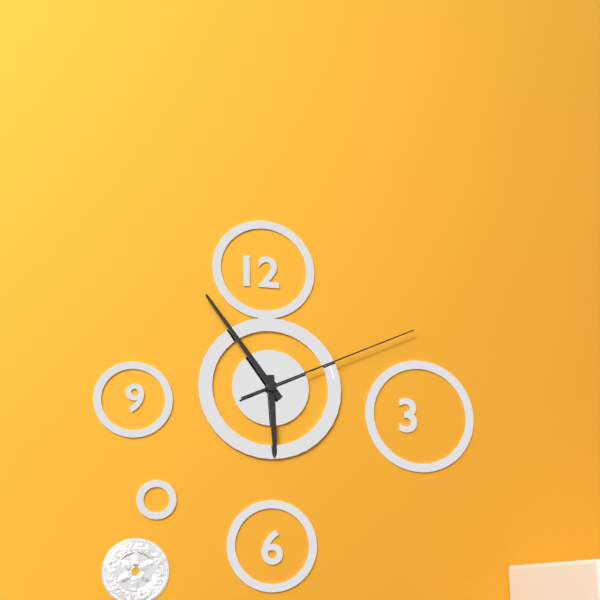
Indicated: 5 h 54 min 11 s
